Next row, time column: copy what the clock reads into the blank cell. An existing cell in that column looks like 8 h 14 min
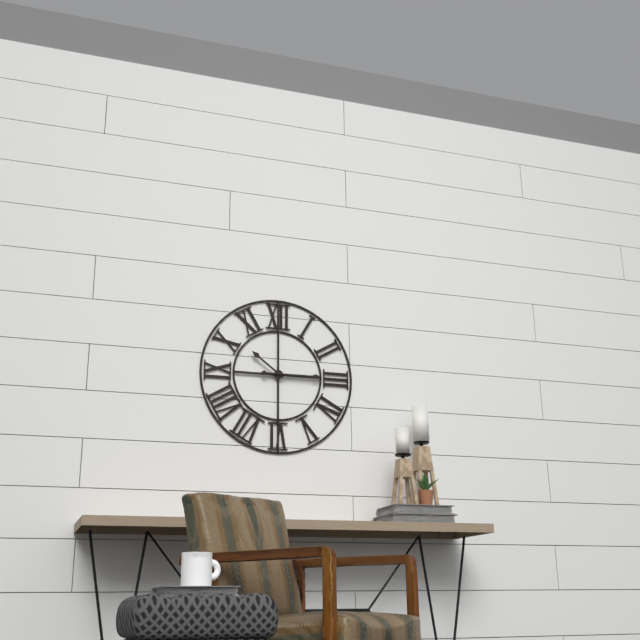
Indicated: 10 h 15 min
